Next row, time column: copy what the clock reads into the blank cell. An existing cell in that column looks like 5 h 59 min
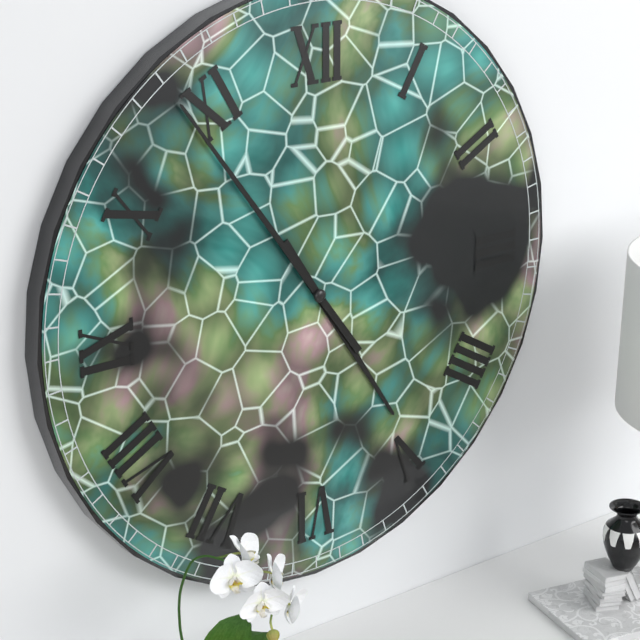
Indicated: 4 h 54 min
